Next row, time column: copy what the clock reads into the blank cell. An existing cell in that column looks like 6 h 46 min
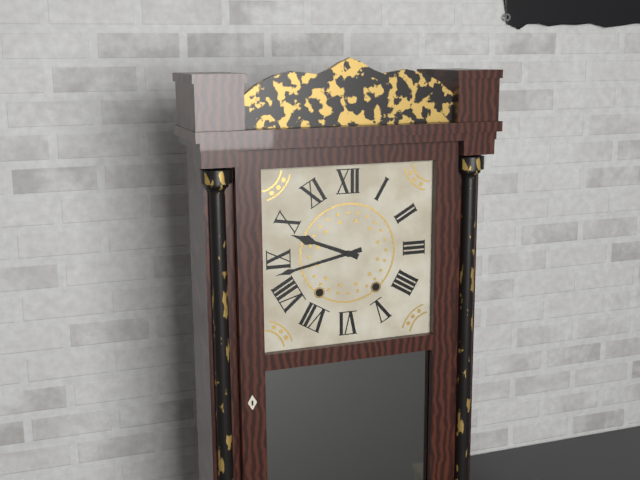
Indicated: 9 h 43 min
